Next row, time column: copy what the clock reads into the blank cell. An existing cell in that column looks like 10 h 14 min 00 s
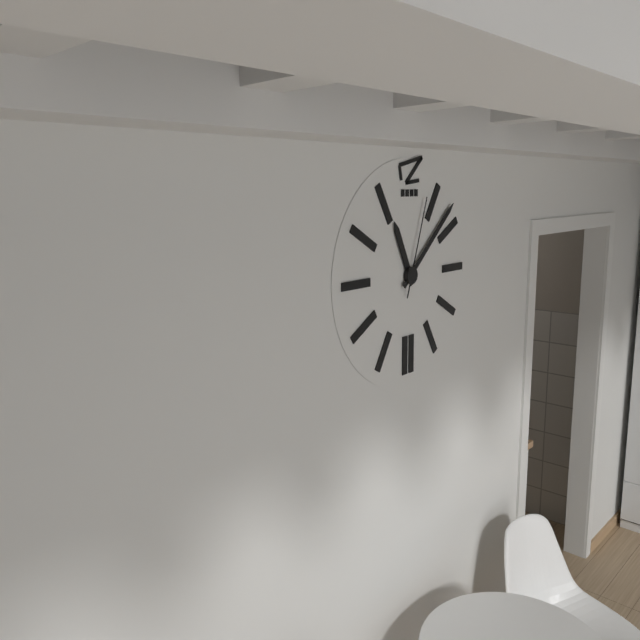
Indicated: 11 h 08 min 03 s
